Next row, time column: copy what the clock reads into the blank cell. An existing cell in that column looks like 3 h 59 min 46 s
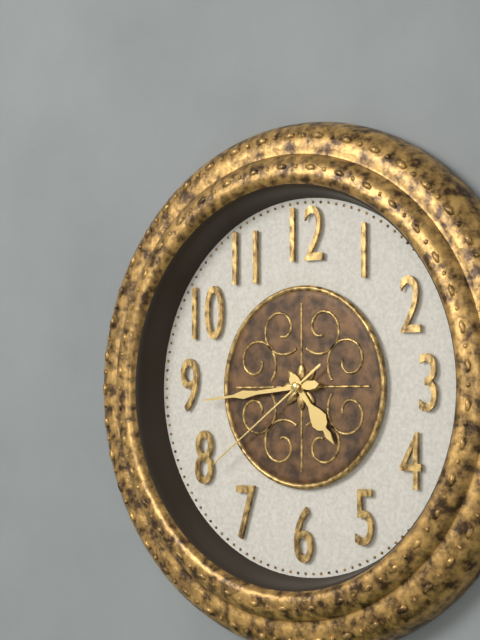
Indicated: 4 h 44 min 39 s
